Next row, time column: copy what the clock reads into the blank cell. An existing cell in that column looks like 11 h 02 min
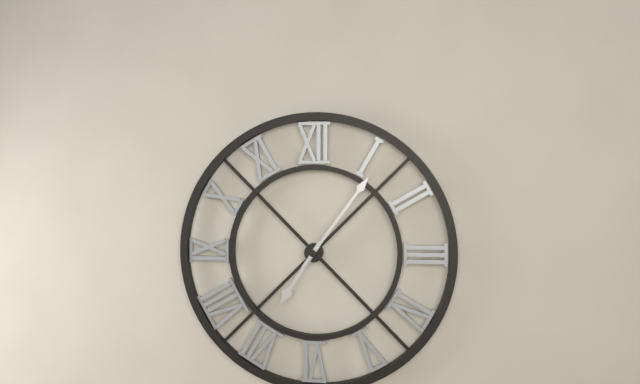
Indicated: 7 h 06 min
